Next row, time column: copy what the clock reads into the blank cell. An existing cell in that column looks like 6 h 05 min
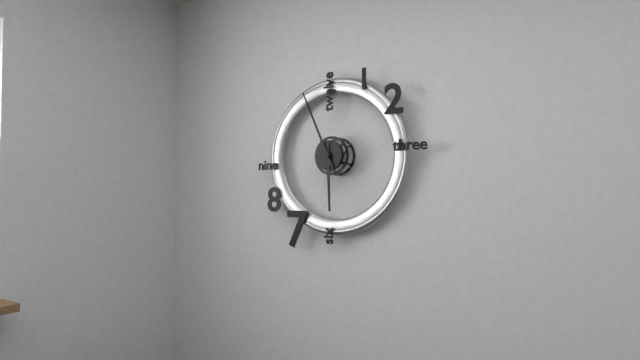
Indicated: 5 h 56 min
